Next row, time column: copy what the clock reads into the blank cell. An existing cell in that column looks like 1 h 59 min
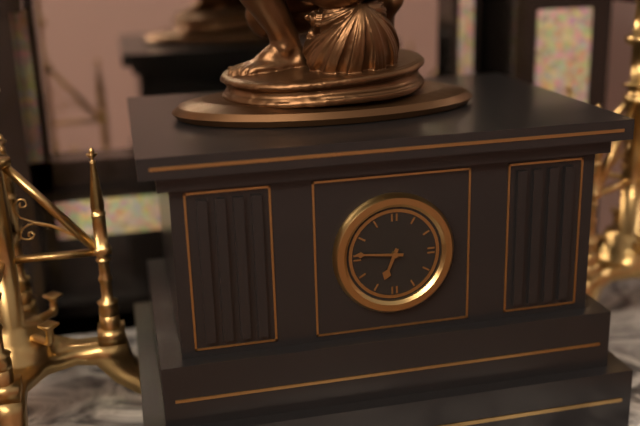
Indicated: 6 h 46 min
